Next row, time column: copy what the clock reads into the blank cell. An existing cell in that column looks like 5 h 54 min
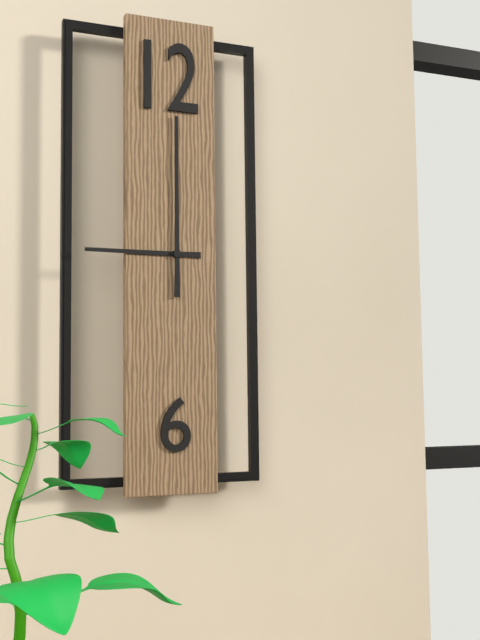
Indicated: 9 h 00 min
